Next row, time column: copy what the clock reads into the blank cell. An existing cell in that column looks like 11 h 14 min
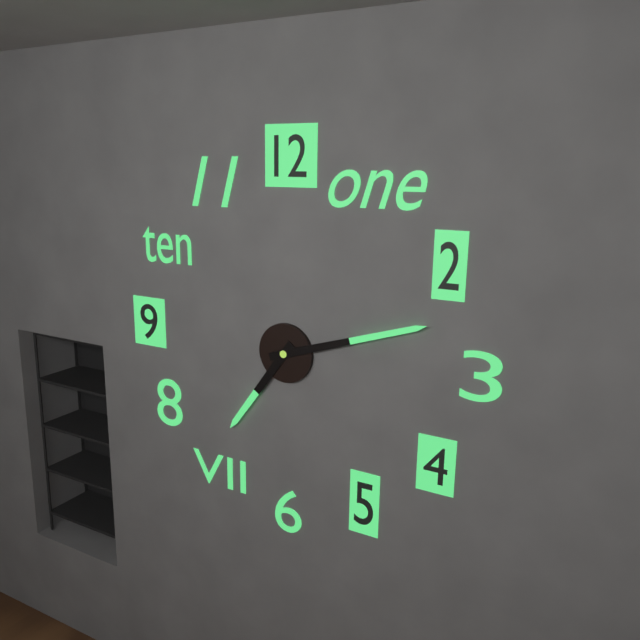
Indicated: 7 h 12 min
